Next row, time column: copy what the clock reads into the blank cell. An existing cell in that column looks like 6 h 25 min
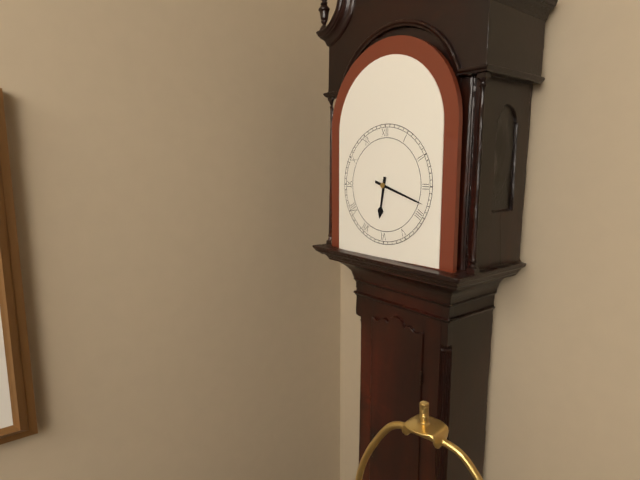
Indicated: 6 h 18 min
